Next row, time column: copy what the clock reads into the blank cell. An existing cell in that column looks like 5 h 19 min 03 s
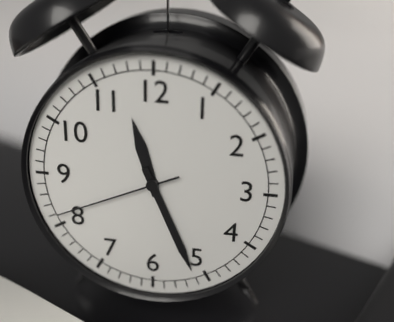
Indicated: 11 h 26 min 41 s
